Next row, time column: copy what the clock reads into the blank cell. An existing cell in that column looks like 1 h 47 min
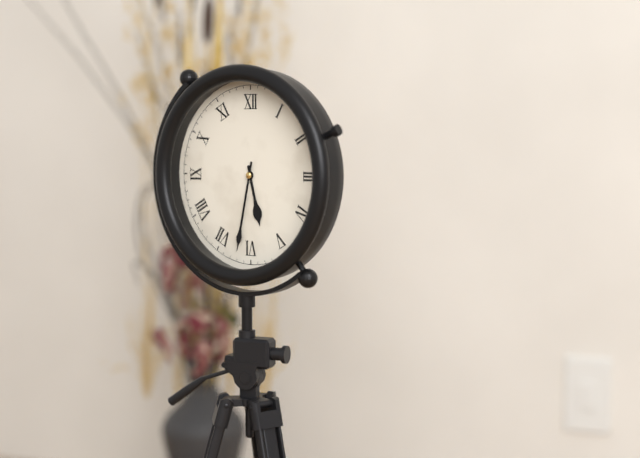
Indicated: 5 h 32 min
